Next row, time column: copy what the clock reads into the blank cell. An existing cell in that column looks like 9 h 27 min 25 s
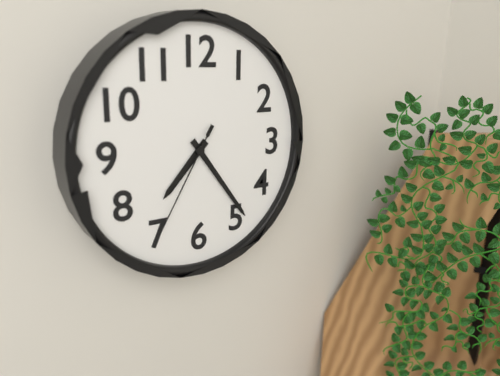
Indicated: 7 h 24 min 35 s
